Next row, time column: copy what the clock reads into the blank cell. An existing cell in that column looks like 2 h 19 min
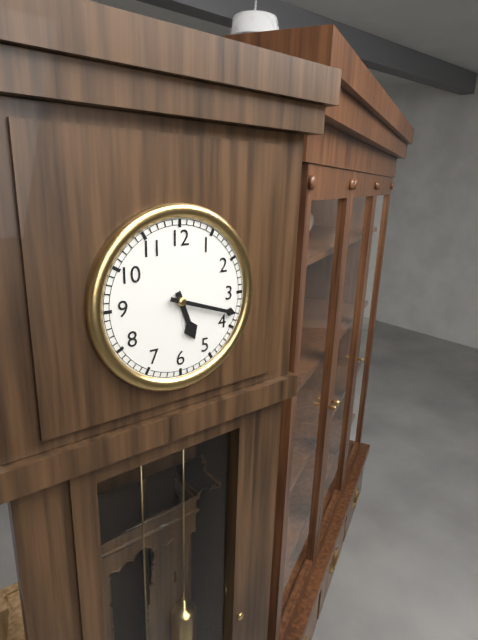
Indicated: 5 h 18 min
